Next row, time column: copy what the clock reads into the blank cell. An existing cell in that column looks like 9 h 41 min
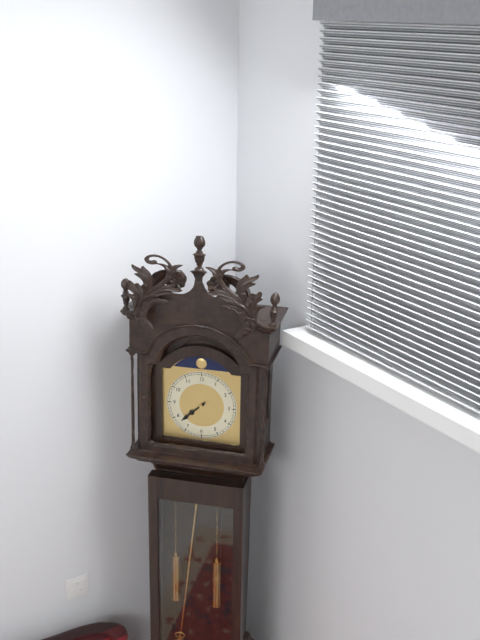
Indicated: 7 h 38 min
